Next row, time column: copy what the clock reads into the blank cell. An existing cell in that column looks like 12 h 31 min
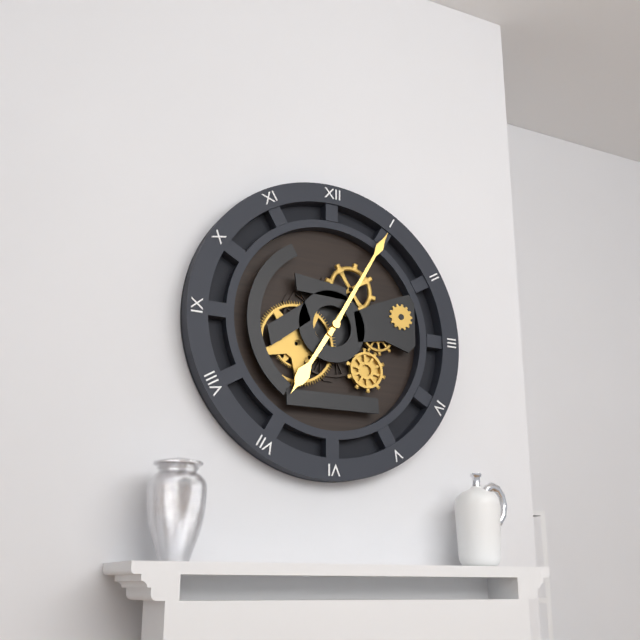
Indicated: 7 h 05 min
